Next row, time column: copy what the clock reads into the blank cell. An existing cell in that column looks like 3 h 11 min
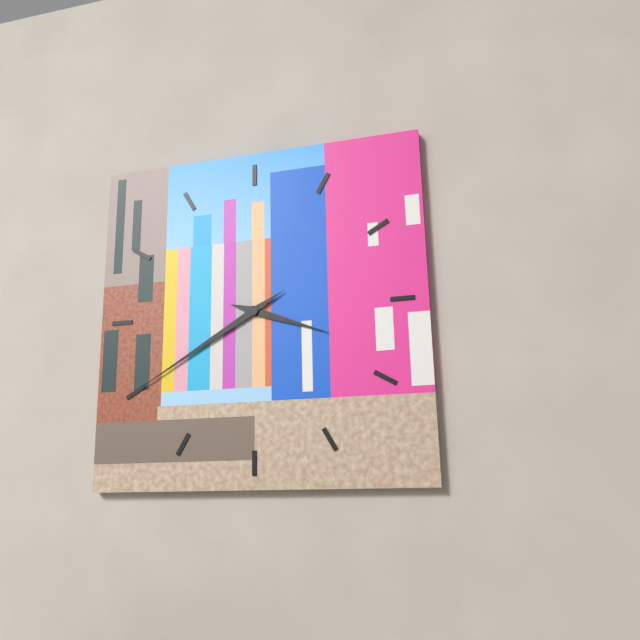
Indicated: 3 h 40 min
